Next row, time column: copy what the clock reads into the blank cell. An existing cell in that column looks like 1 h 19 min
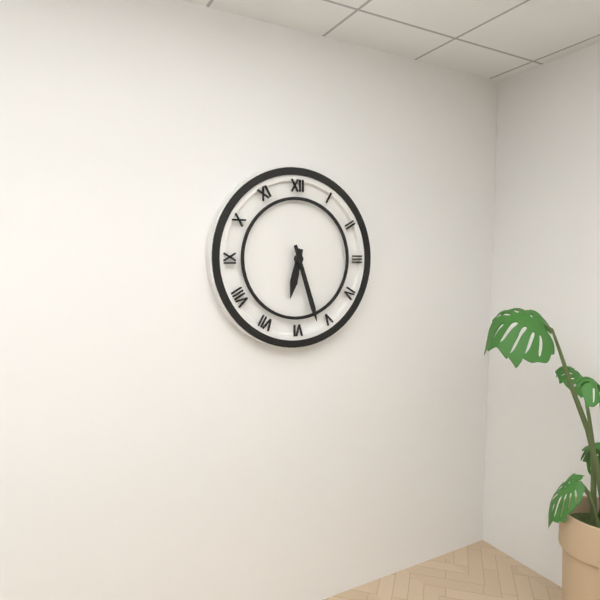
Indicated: 6 h 27 min
